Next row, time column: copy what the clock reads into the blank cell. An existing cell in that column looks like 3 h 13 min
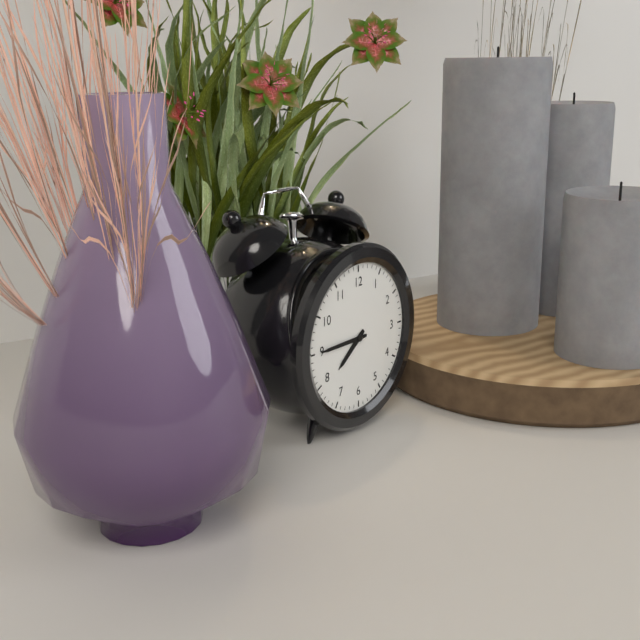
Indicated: 7 h 45 min
